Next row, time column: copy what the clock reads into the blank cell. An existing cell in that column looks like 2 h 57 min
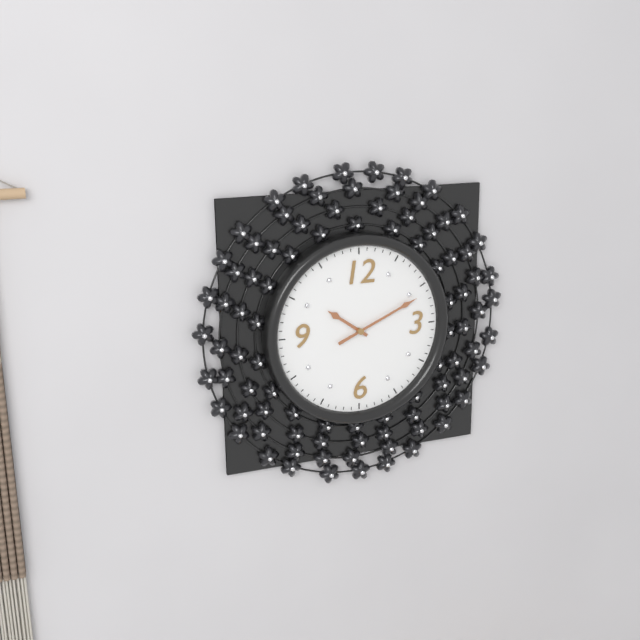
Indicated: 10 h 11 min
